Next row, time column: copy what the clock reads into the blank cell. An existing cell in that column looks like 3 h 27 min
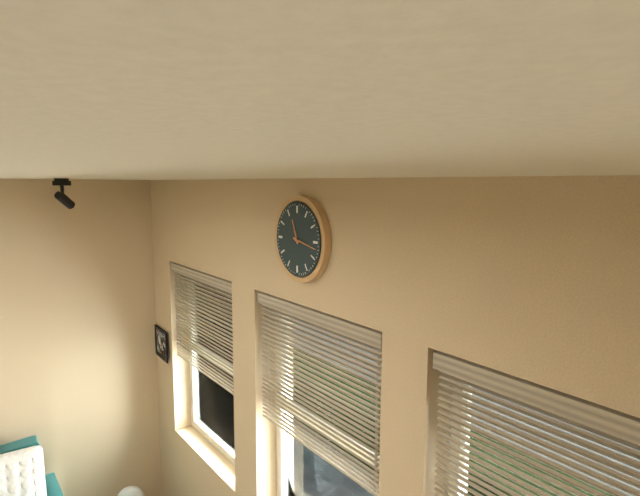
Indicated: 11 h 17 min
